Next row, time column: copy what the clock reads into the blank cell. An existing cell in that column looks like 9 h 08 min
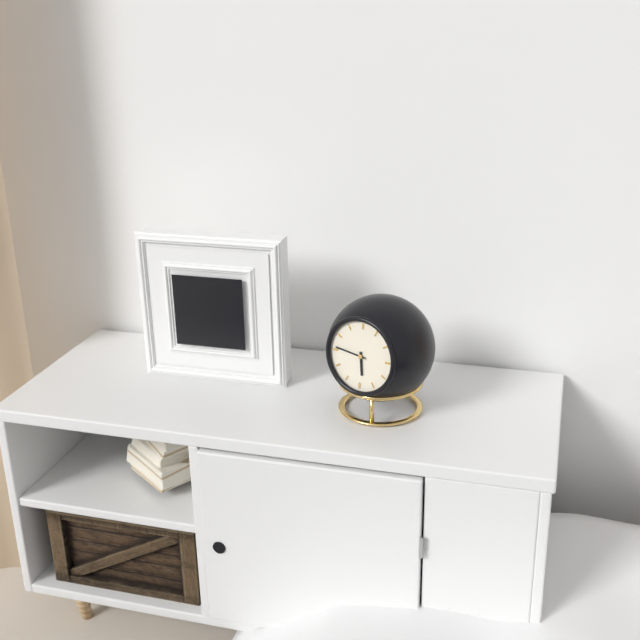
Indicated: 5 h 46 min
